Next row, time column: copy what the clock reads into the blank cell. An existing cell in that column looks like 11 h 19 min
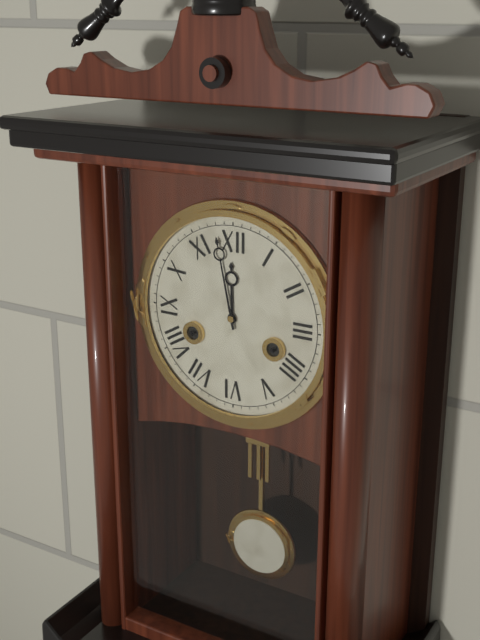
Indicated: 11 h 58 min
